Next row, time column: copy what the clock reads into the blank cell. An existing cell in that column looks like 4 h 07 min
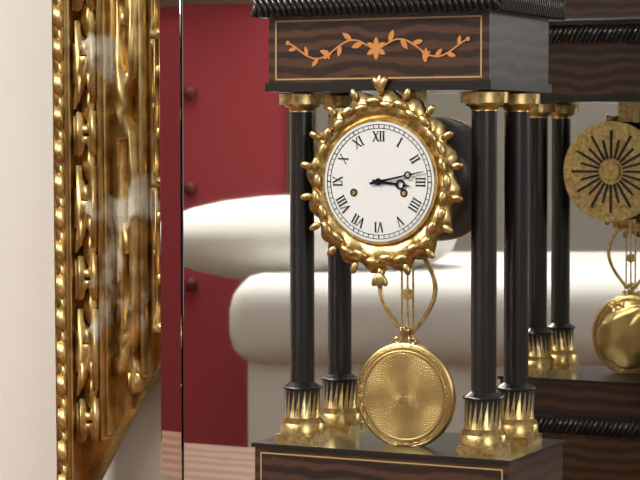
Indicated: 3 h 13 min
